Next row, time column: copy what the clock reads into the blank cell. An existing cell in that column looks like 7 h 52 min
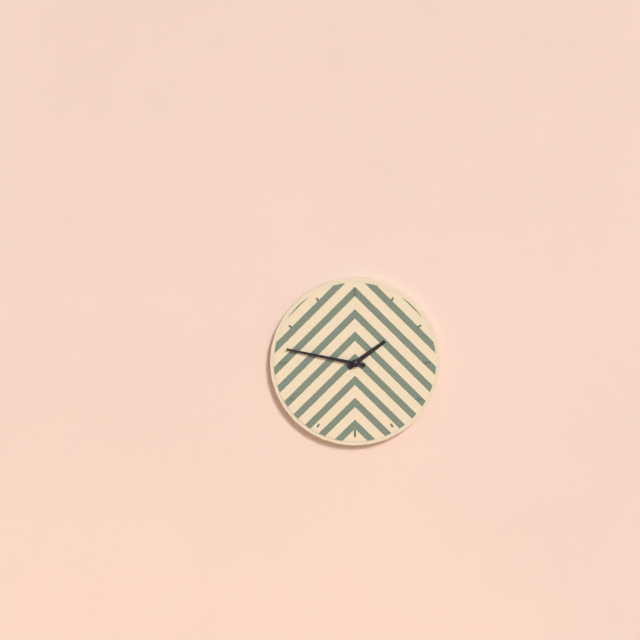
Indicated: 1 h 47 min
